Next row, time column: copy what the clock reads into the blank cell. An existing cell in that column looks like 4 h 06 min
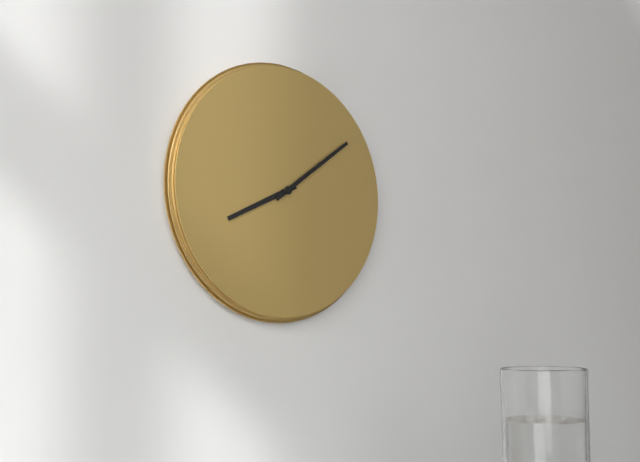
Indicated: 8 h 09 min
